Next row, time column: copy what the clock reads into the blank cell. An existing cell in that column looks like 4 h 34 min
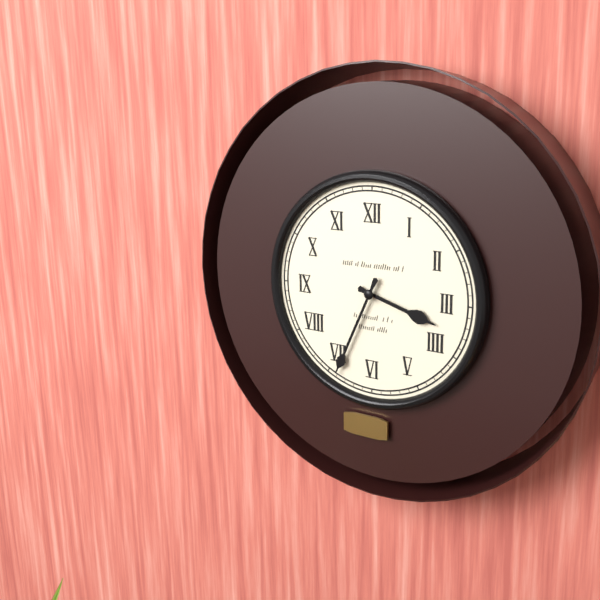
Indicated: 3 h 34 min
